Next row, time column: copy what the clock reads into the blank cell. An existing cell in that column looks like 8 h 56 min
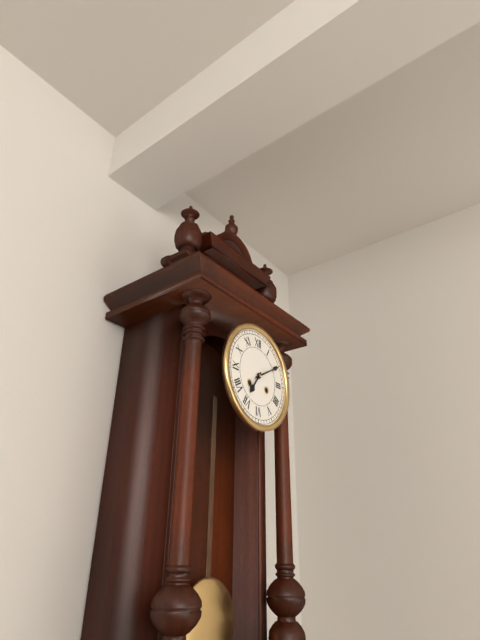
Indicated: 7 h 10 min
